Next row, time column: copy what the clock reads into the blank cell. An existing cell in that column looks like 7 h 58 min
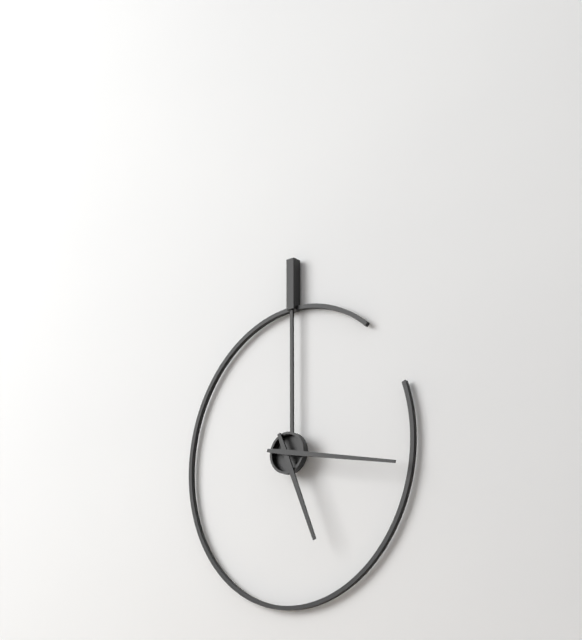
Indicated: 5 h 17 min
